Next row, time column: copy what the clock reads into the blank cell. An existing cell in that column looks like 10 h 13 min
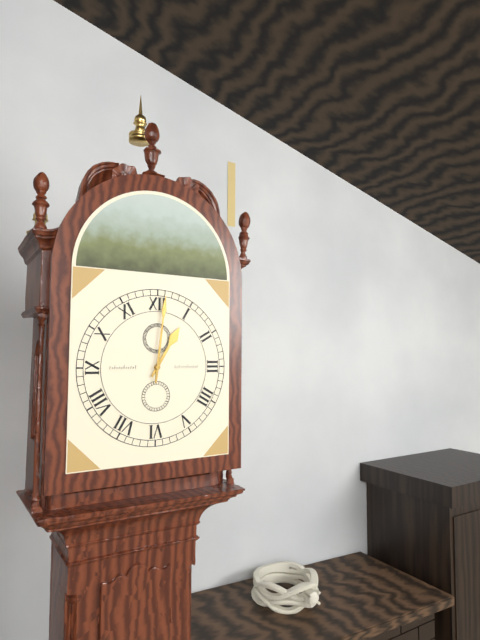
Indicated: 1 h 01 min
